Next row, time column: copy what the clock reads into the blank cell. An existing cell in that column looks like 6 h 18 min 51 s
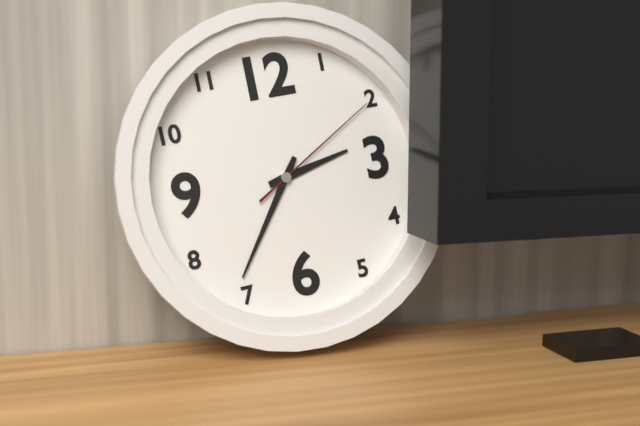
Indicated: 2 h 36 min 10 s
